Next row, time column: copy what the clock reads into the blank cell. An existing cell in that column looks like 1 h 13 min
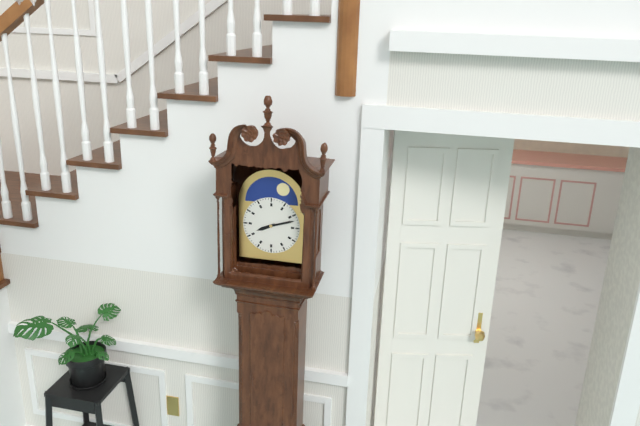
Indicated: 8 h 12 min
